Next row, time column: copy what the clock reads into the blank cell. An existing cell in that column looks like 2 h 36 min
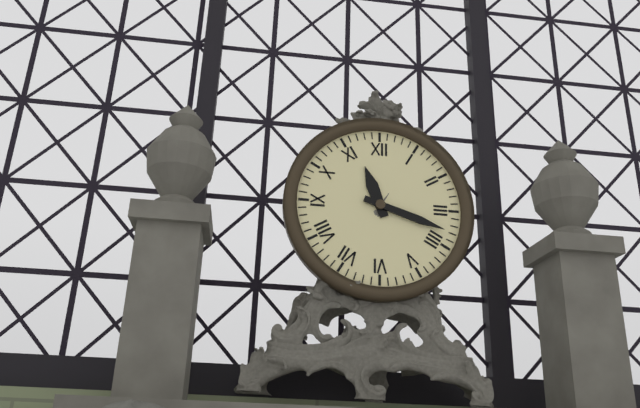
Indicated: 11 h 18 min
